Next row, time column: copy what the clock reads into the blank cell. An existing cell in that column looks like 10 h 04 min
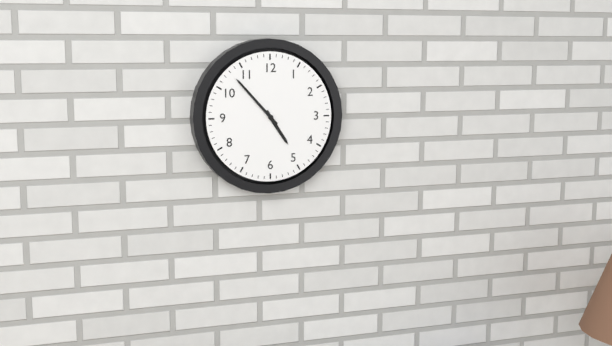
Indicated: 4 h 53 min
